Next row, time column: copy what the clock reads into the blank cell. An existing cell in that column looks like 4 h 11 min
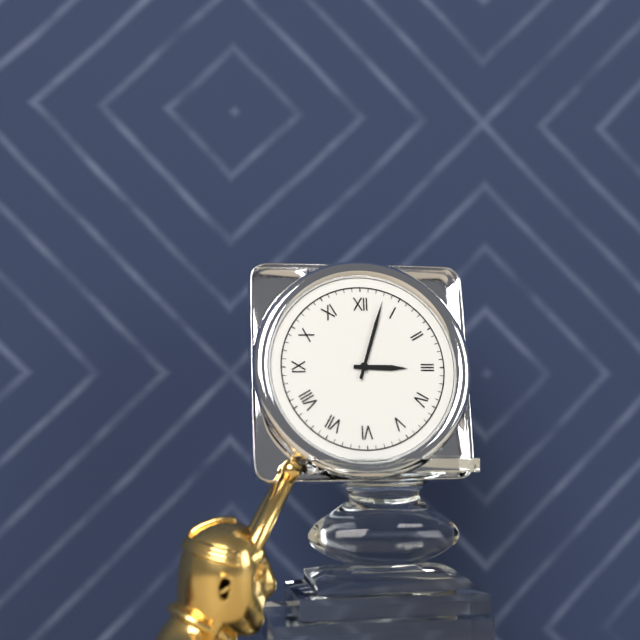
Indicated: 3 h 03 min
